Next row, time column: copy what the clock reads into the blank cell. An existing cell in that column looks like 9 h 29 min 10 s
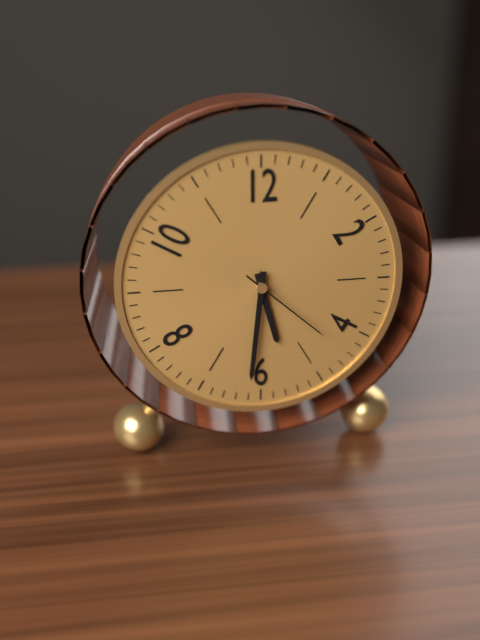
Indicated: 5 h 31 min 22 s
